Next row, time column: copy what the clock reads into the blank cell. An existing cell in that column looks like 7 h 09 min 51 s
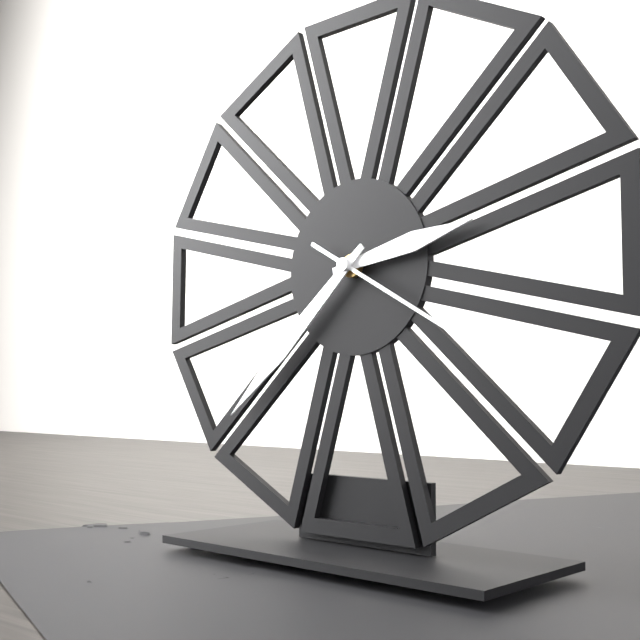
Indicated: 2 h 38 min 20 s
